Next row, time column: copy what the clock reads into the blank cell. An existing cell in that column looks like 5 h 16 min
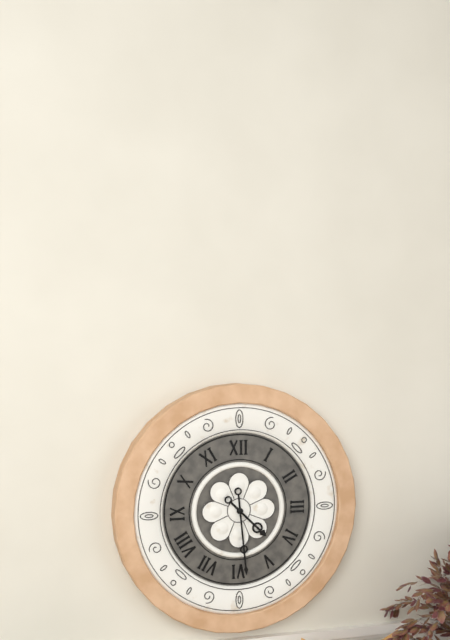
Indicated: 4 h 29 min
